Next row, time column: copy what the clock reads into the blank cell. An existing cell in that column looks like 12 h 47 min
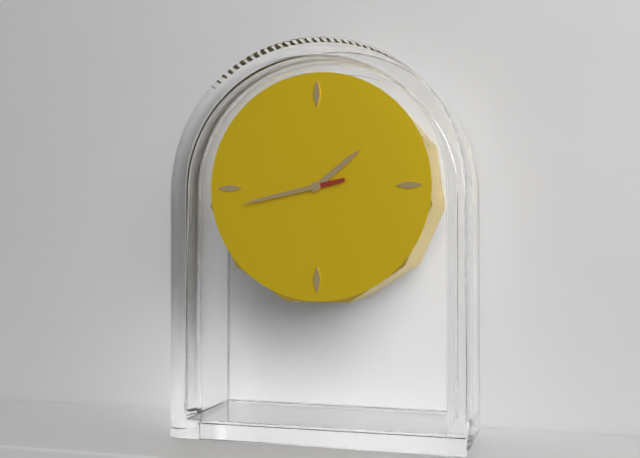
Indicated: 1 h 43 min
